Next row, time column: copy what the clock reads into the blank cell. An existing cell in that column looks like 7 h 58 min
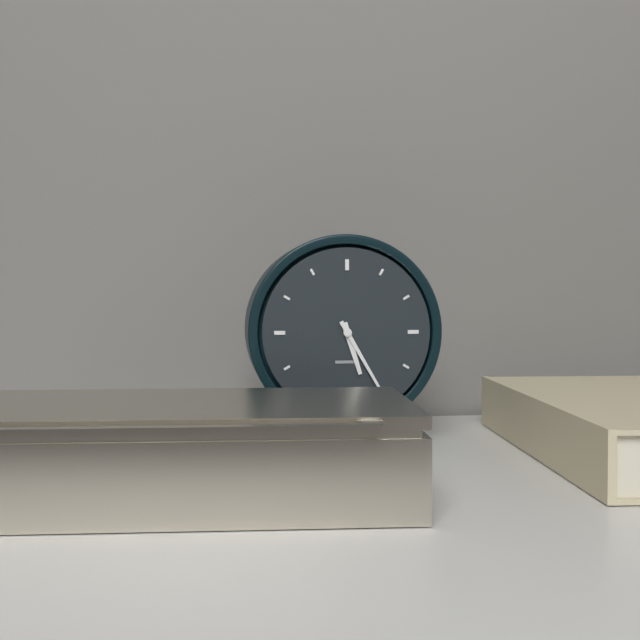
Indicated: 5 h 25 min
